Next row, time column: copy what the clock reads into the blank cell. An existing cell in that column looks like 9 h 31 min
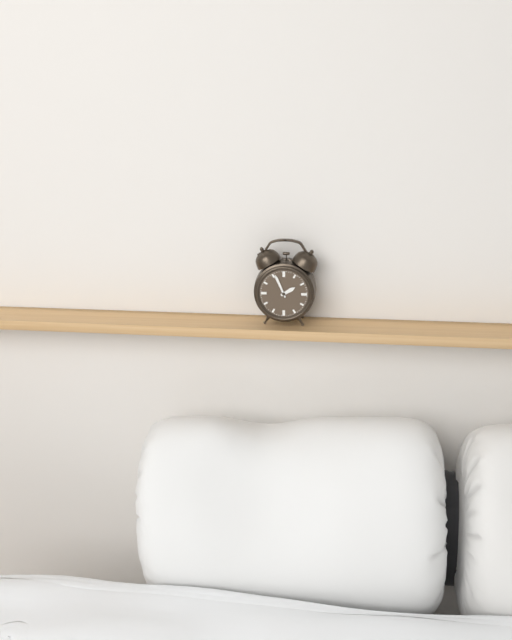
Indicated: 1 h 56 min
